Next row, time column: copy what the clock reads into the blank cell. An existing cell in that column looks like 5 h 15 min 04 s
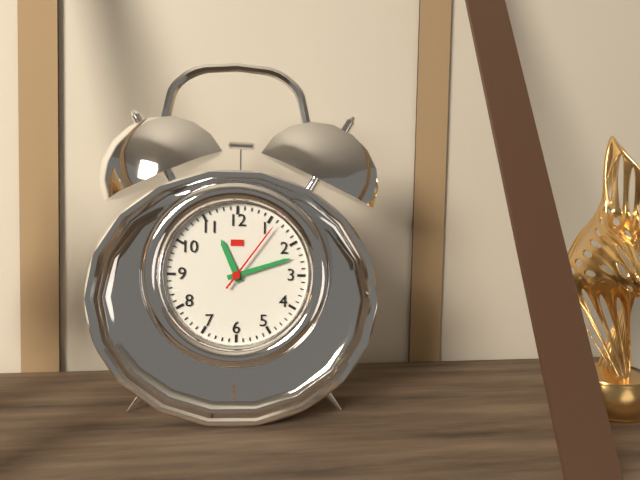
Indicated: 11 h 12 min 06 s
